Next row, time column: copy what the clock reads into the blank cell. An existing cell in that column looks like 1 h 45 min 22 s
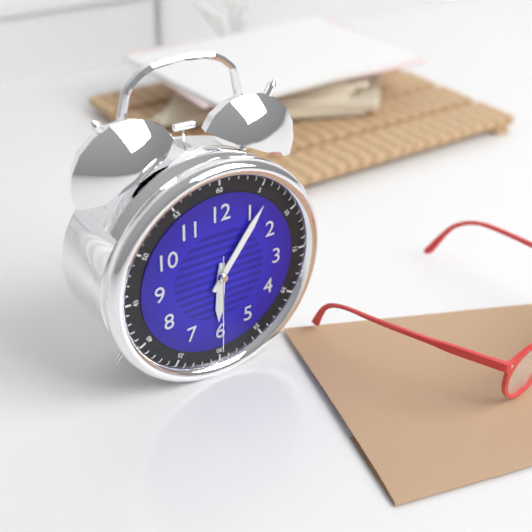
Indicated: 6 h 06 min 30 s
